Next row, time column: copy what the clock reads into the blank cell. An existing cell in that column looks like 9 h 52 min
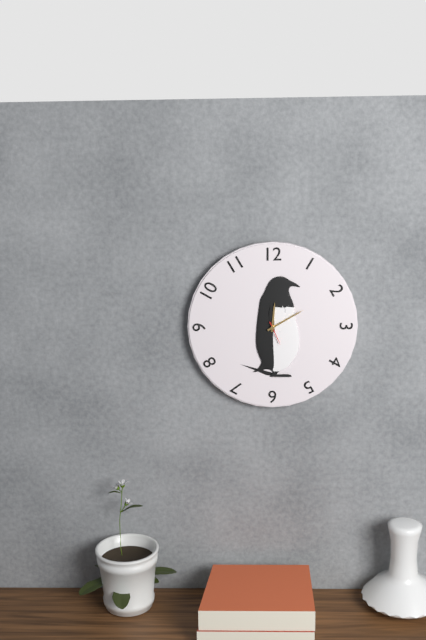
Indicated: 12 h 10 min
